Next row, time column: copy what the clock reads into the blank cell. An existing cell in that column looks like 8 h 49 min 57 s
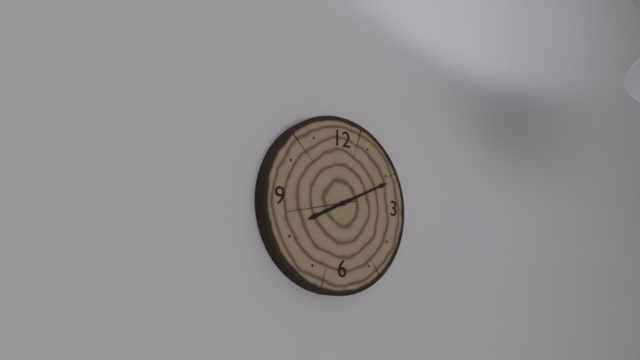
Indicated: 8 h 11 min 43 s
